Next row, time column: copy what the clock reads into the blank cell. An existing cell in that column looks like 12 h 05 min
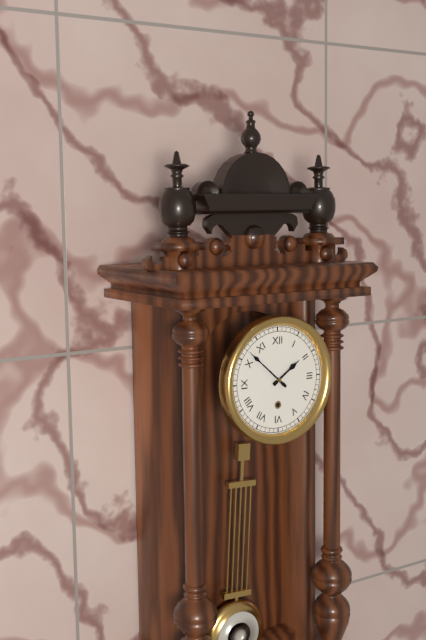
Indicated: 1 h 52 min
